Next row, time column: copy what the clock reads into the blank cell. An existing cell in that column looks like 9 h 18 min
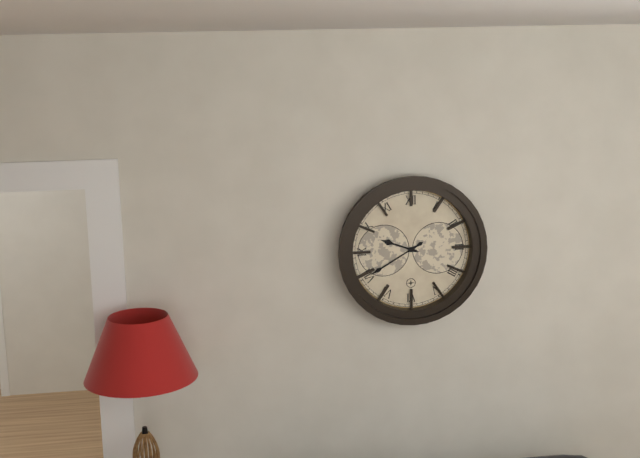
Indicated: 9 h 40 min
